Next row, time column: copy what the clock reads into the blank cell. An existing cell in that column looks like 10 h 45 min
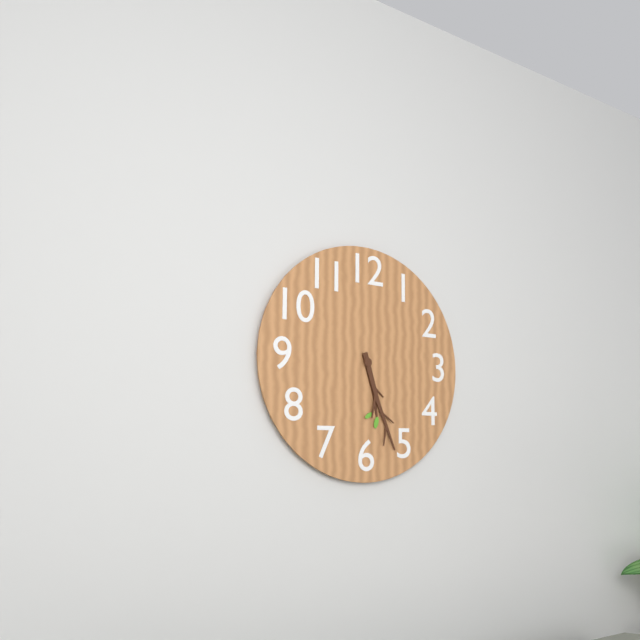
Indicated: 5 h 27 min
